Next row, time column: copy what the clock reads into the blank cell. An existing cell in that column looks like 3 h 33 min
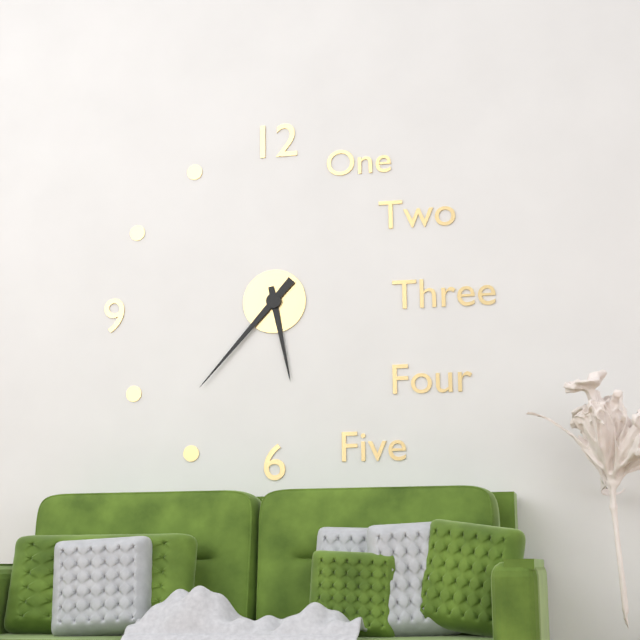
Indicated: 5 h 37 min
